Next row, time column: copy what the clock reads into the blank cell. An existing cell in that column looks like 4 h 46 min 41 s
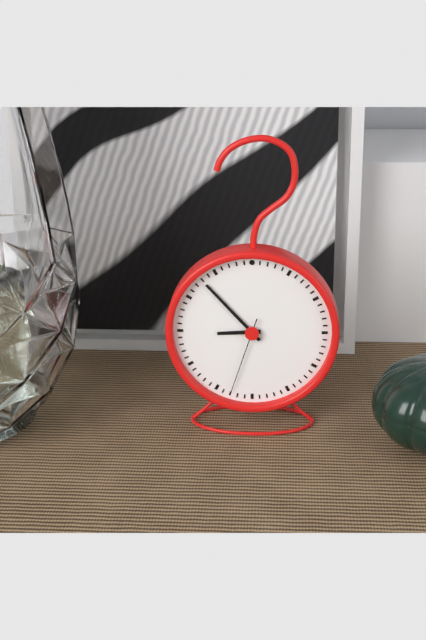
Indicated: 8 h 53 min 33 s
